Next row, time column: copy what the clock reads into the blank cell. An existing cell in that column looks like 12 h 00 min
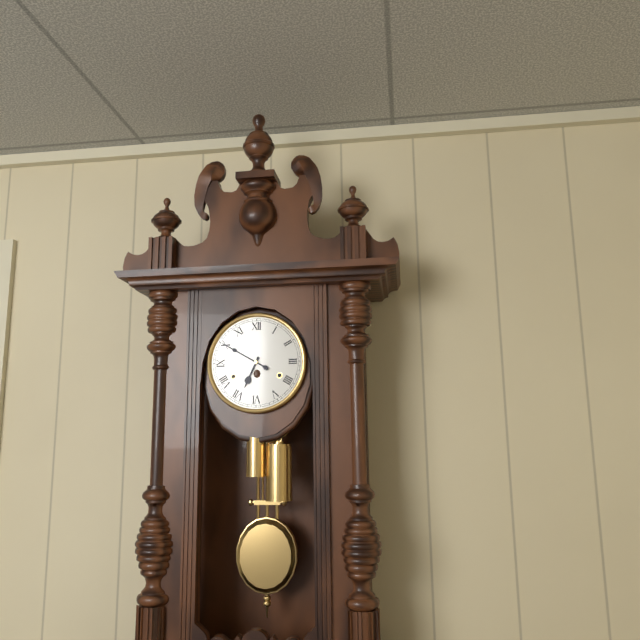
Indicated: 6 h 50 min
